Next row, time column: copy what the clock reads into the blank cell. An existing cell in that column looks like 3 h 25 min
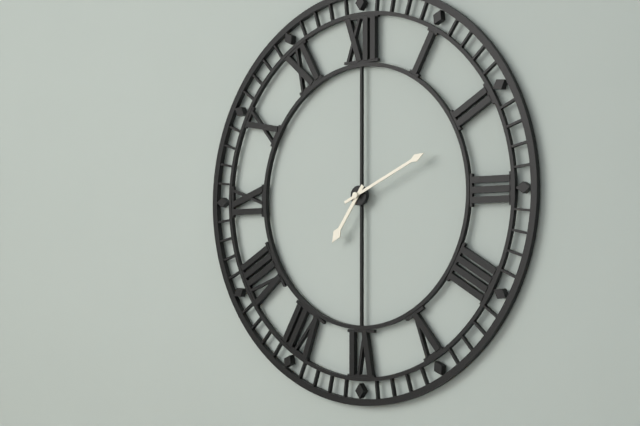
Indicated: 7 h 11 min
